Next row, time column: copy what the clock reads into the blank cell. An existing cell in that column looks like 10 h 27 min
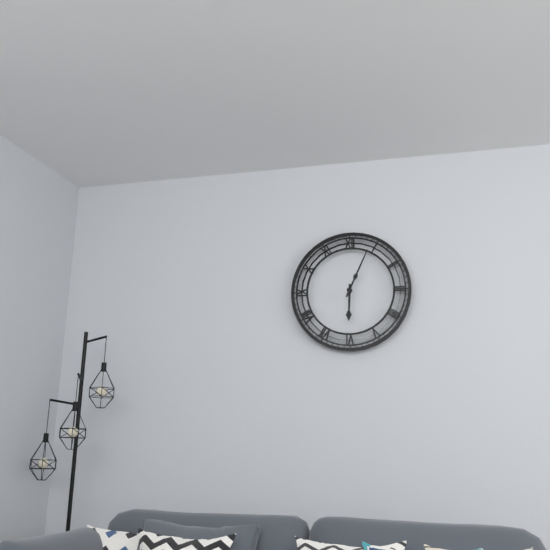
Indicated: 6 h 04 min
